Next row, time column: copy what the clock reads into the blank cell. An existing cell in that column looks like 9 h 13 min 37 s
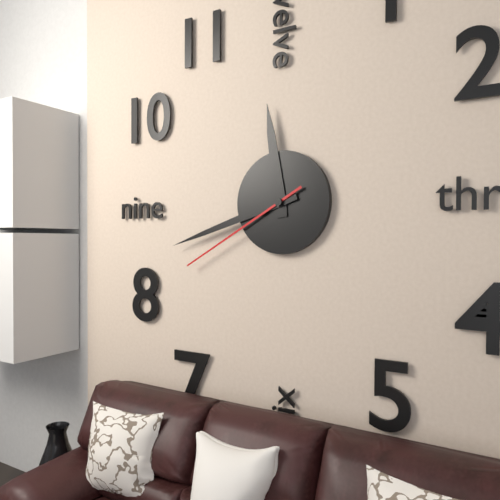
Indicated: 11 h 42 min 40 s
